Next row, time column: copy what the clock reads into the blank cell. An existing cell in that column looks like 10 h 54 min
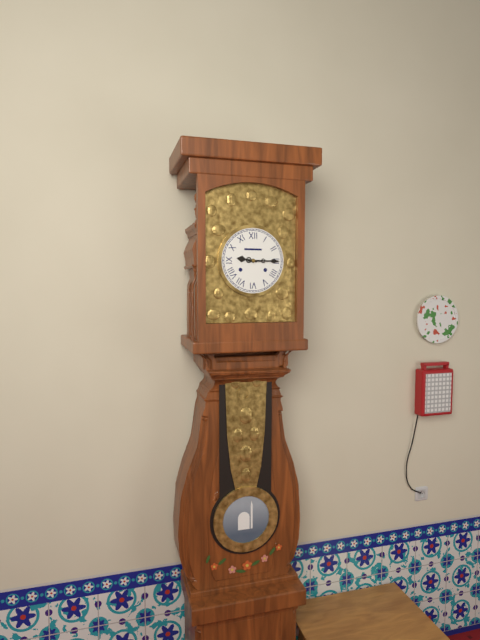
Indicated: 9 h 15 min
